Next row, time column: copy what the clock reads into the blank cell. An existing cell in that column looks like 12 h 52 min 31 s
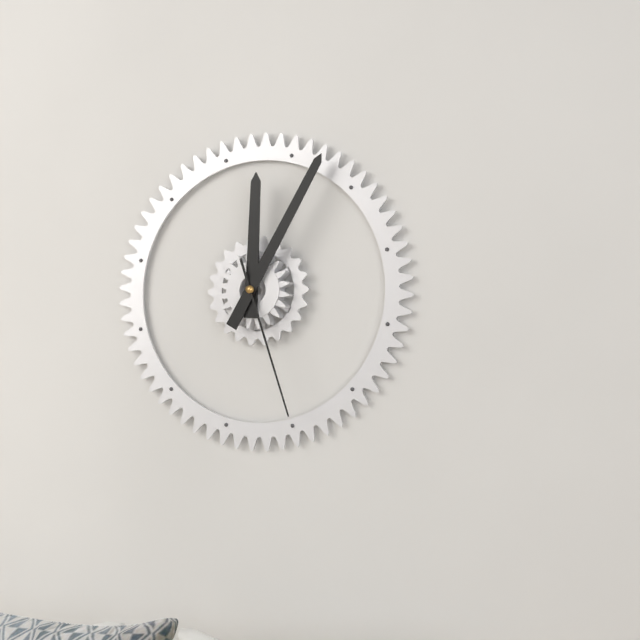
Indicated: 12 h 05 min 27 s
